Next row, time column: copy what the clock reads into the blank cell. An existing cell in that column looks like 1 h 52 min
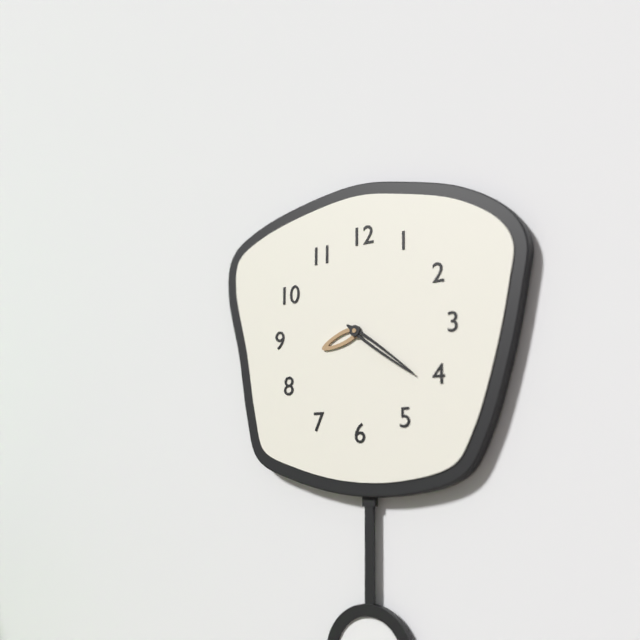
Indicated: 8 h 21 min
